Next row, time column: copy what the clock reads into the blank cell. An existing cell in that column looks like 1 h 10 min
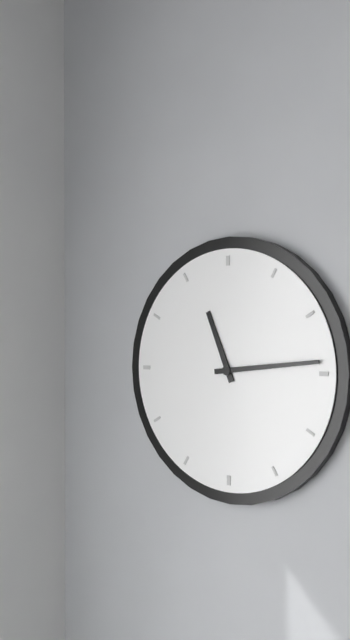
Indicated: 11 h 14 min
